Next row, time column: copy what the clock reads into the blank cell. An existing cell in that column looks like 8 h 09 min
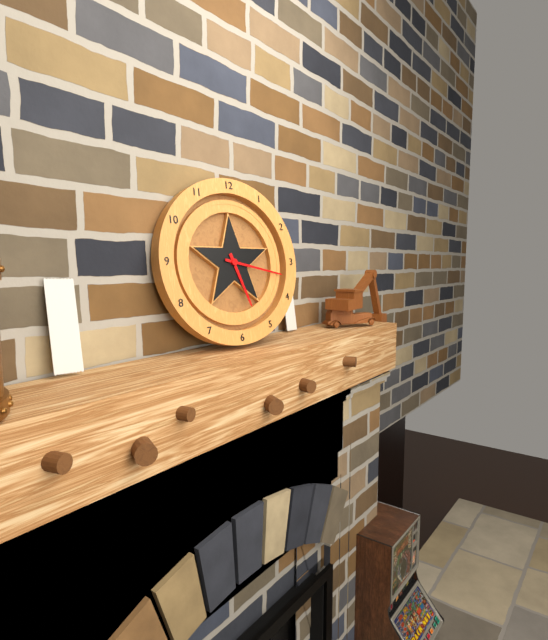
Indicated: 5 h 17 min
